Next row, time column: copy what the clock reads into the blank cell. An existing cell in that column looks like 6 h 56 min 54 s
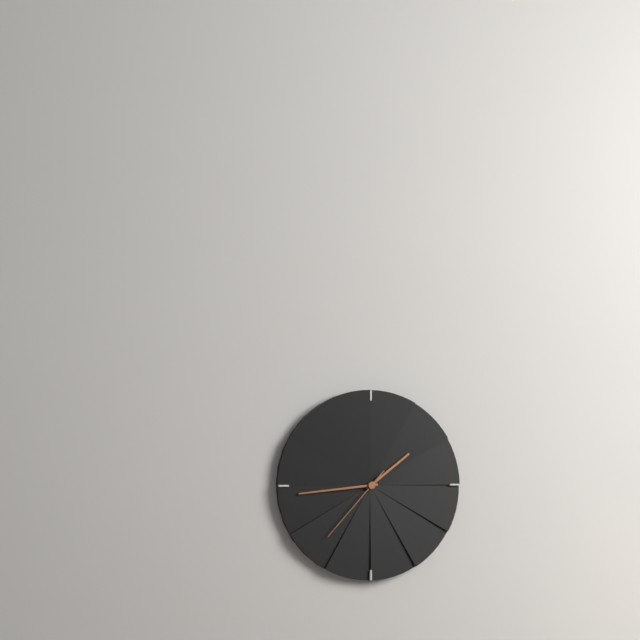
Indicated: 1 h 44 min 37 s
